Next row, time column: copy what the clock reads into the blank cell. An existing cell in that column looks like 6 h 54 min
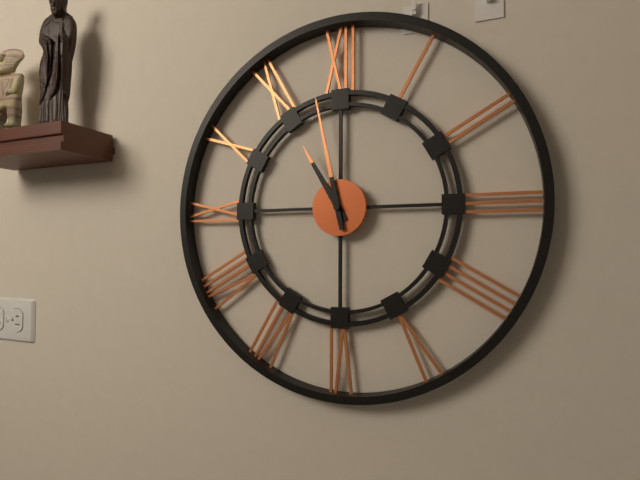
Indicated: 10 h 58 min
